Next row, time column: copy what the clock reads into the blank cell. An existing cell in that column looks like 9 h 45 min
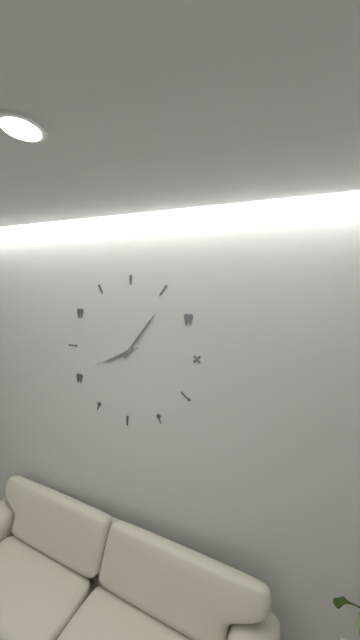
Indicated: 8 h 06 min
